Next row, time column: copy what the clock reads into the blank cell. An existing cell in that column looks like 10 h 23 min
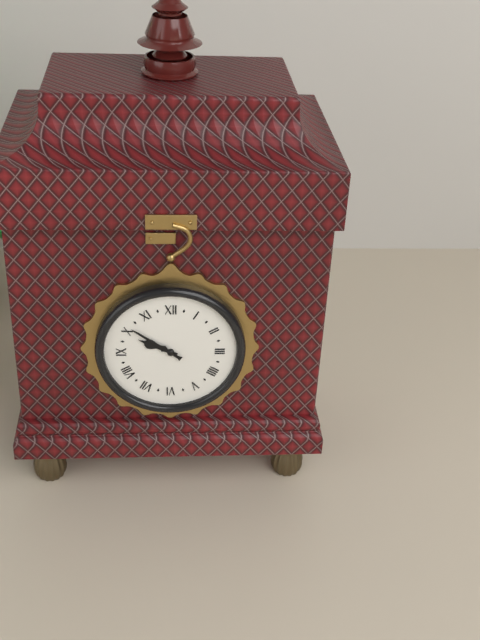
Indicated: 9 h 51 min
